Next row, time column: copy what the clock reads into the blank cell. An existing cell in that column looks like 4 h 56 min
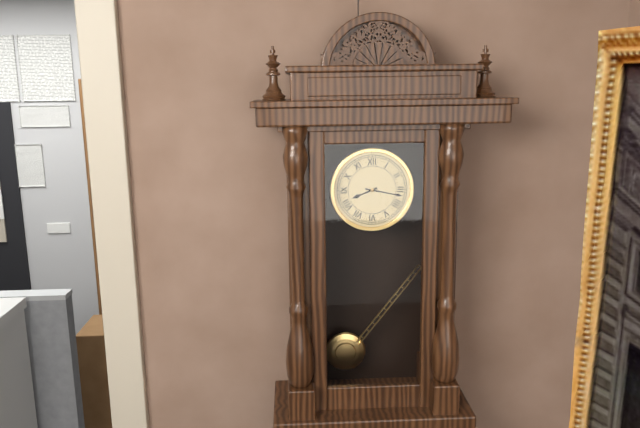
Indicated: 8 h 17 min
